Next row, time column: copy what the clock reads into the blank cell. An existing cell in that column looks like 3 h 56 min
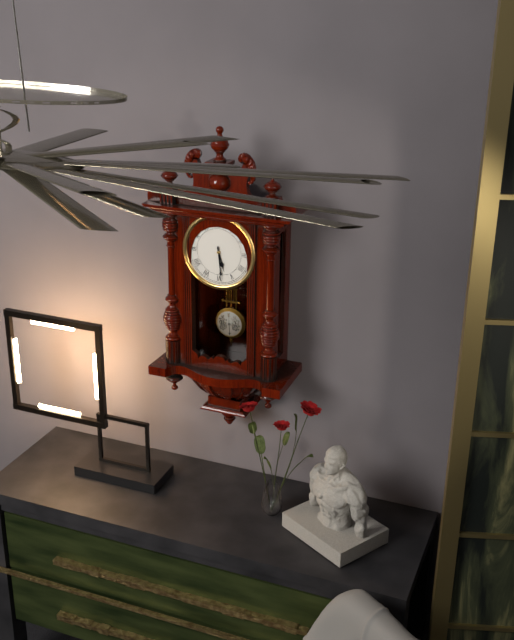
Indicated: 5 h 29 min
